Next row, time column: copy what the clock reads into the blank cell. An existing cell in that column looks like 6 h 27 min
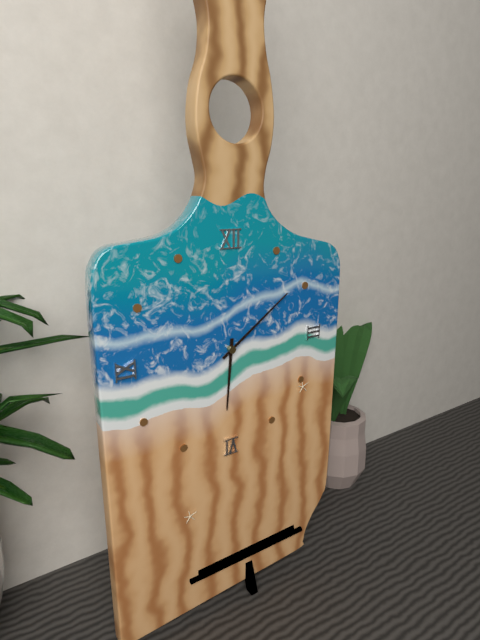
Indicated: 6 h 09 min
